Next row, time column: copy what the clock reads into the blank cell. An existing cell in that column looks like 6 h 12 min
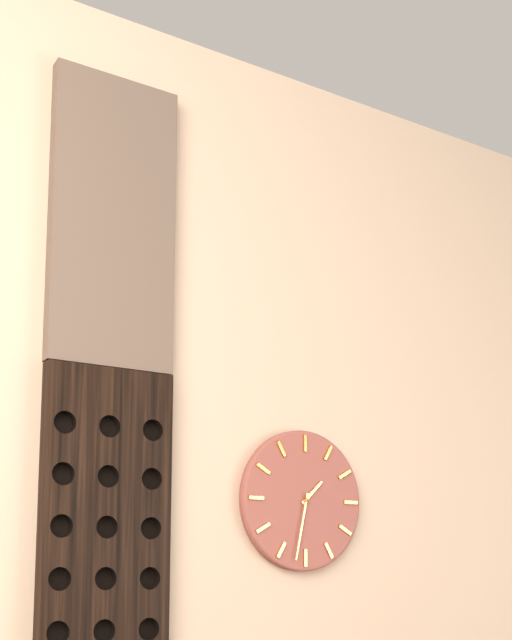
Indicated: 1 h 32 min
